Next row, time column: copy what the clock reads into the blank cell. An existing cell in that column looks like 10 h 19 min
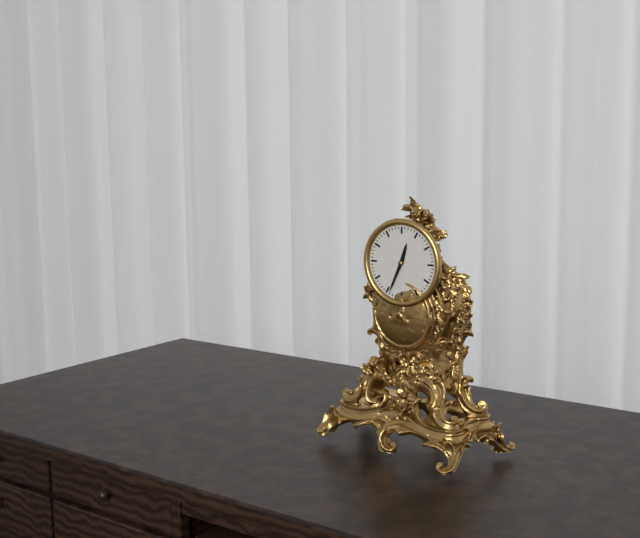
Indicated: 12 h 34 min
